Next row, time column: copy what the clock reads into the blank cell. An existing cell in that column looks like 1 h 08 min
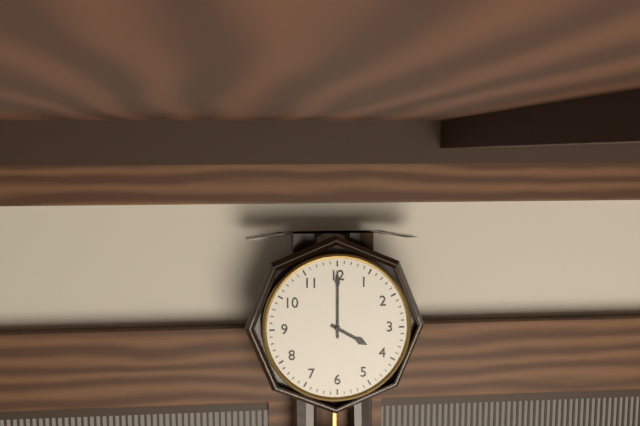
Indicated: 4 h 00 min
